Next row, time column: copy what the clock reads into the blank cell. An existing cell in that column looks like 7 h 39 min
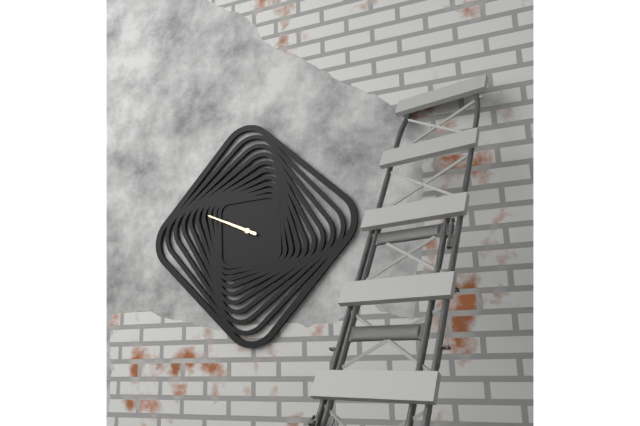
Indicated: 9 h 49 min
